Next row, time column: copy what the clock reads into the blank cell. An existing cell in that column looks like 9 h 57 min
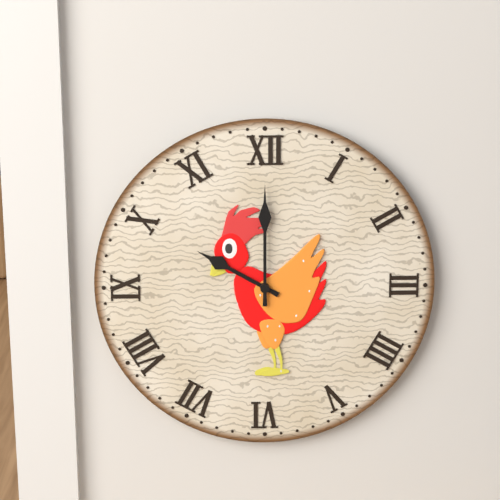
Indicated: 10 h 00 min
